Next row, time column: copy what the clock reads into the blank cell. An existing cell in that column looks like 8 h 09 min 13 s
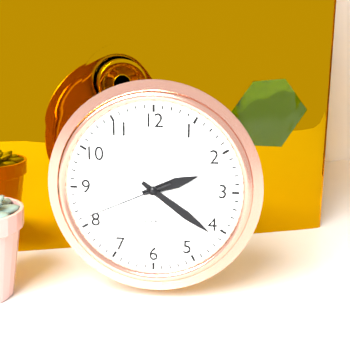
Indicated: 2 h 21 min 41 s
